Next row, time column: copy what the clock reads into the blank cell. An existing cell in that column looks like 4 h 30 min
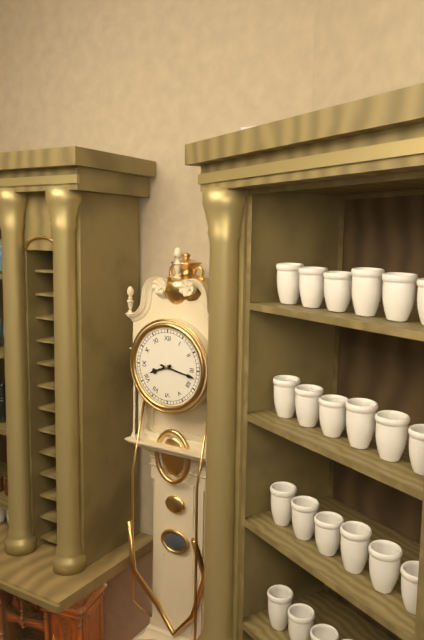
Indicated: 8 h 17 min
